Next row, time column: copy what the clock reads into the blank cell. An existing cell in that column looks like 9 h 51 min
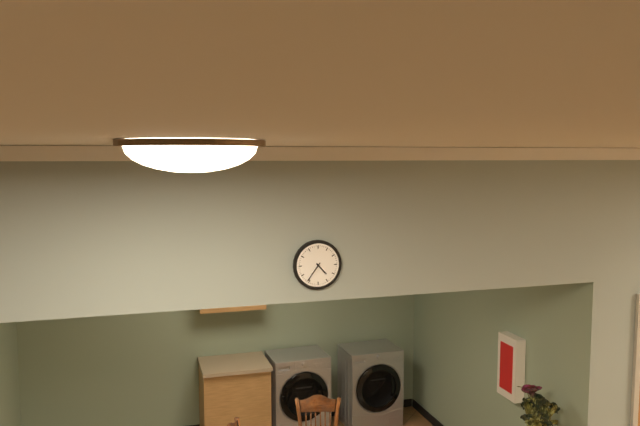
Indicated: 4 h 36 min
